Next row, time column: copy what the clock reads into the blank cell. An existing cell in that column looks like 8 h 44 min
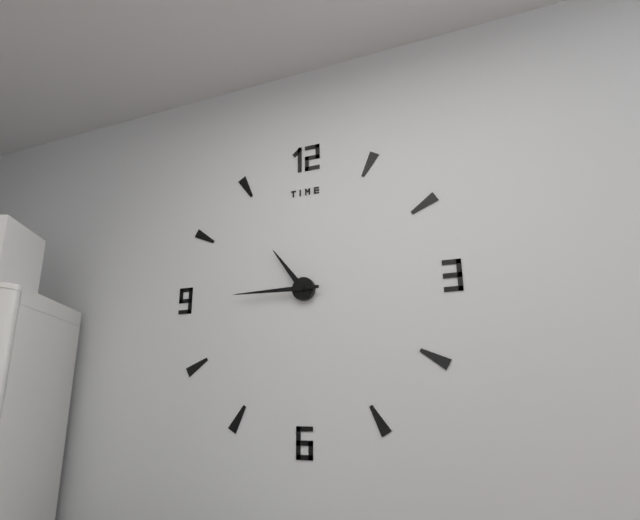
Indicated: 10 h 45 min
